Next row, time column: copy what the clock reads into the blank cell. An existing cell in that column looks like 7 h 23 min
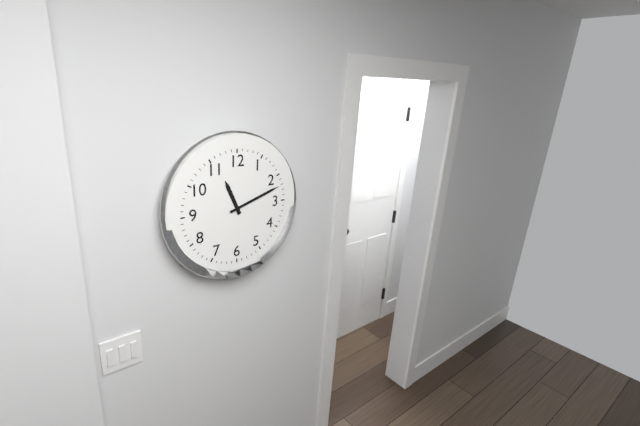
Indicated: 11 h 12 min
